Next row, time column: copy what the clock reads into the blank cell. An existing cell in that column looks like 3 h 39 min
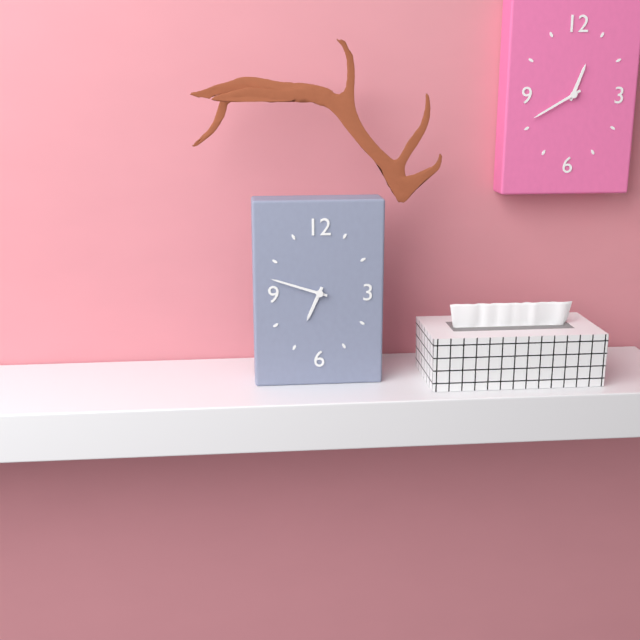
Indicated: 6 h 48 min
